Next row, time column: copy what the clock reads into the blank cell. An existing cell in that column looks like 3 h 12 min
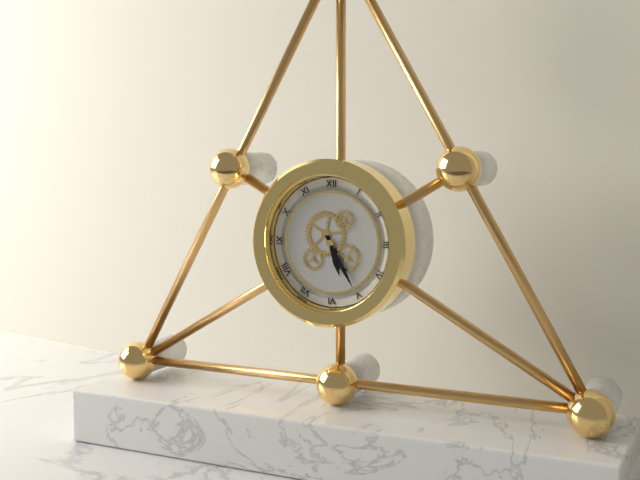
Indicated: 5 h 25 min
